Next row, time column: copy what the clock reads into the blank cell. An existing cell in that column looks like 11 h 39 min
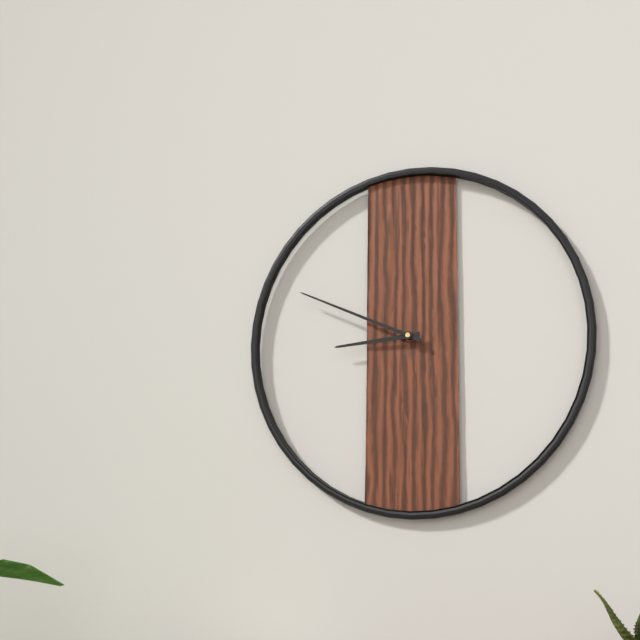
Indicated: 8 h 49 min
